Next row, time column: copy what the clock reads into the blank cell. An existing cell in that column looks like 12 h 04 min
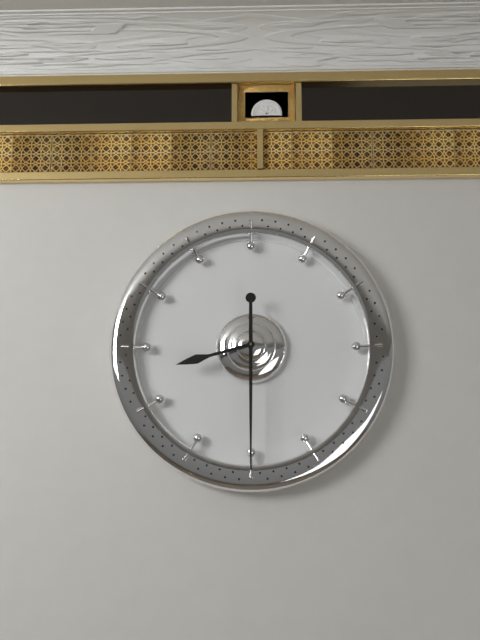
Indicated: 8 h 30 min
